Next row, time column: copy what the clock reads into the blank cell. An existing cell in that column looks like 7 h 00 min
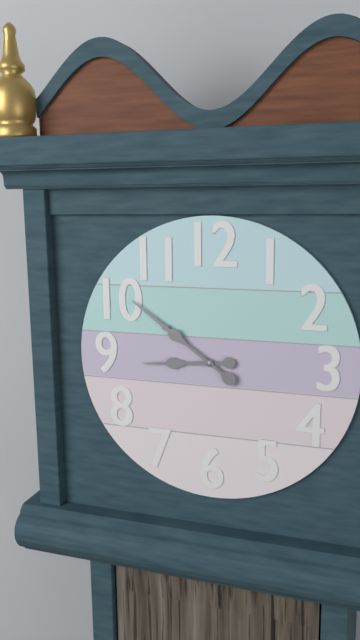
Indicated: 8 h 51 min
